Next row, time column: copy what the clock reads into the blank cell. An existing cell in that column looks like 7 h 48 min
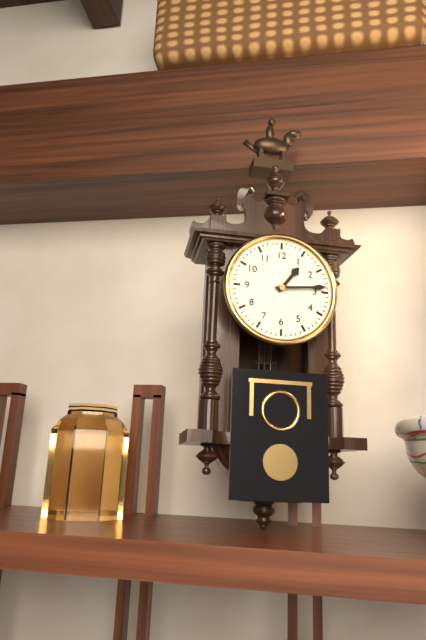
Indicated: 1 h 14 min
